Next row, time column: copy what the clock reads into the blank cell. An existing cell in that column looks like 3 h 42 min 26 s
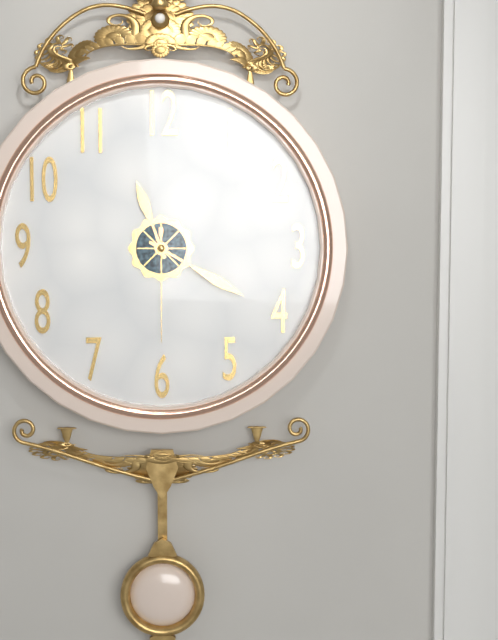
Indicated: 11 h 20 min 30 s
